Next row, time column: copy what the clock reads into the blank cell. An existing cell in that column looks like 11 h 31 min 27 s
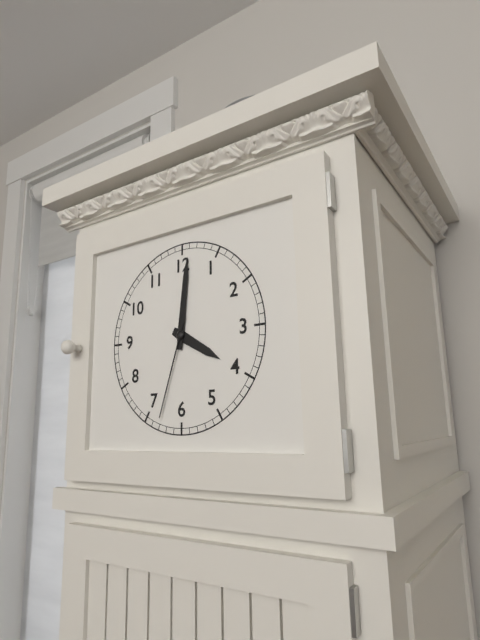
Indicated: 4 h 01 min 33 s
